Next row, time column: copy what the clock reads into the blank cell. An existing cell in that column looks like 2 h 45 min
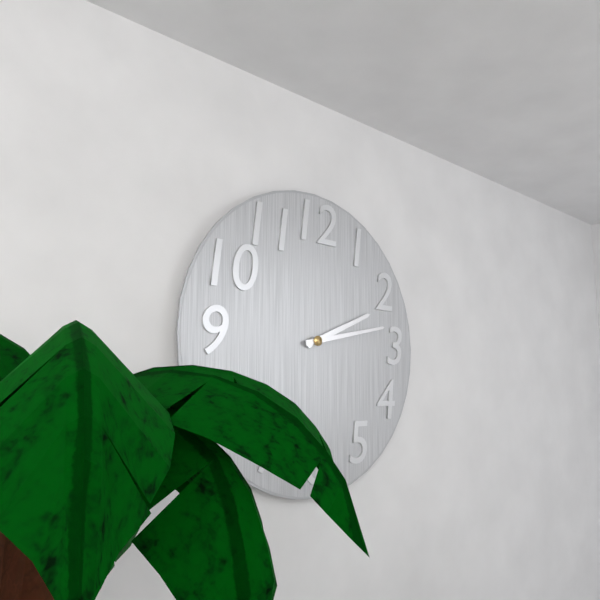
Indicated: 2 h 13 min
